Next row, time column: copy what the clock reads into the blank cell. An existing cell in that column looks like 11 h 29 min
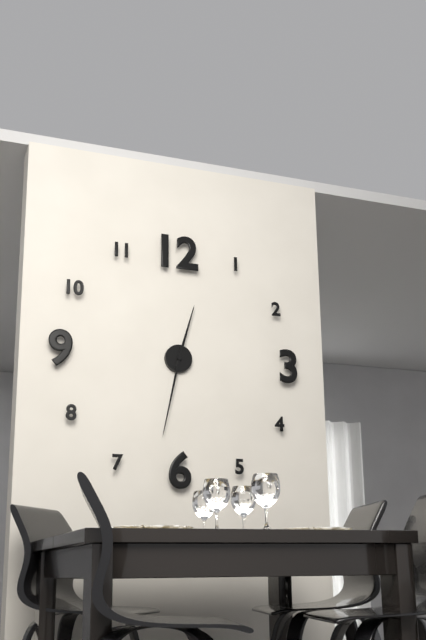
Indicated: 12 h 32 min
